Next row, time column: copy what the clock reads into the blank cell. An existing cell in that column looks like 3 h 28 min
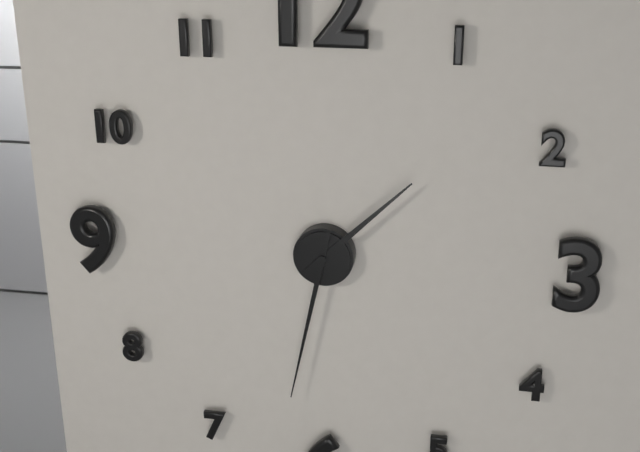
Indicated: 1 h 32 min
